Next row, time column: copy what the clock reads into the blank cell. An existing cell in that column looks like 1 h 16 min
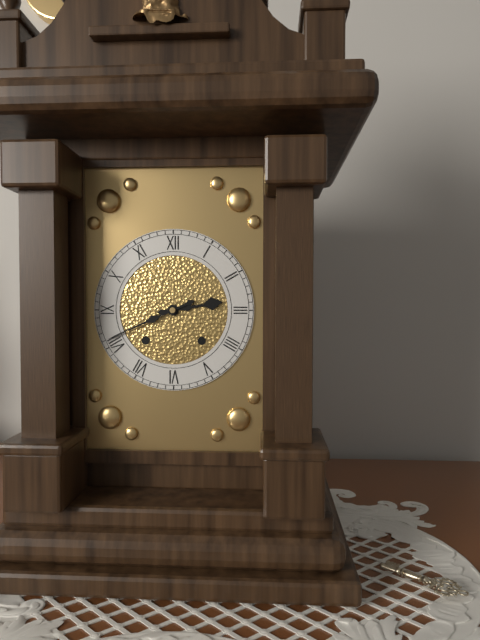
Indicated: 2 h 41 min
